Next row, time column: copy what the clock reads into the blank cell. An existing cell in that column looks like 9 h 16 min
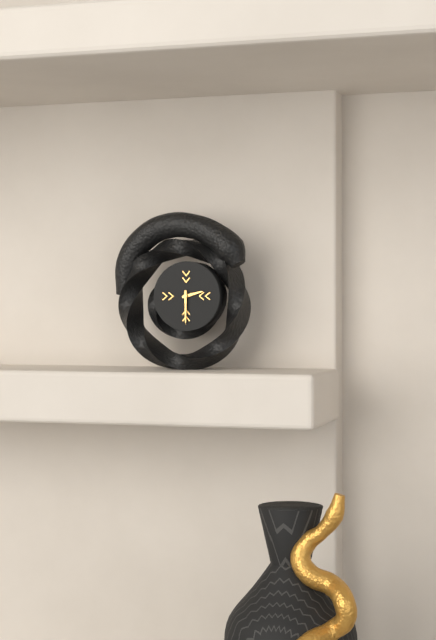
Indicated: 2 h 30 min
